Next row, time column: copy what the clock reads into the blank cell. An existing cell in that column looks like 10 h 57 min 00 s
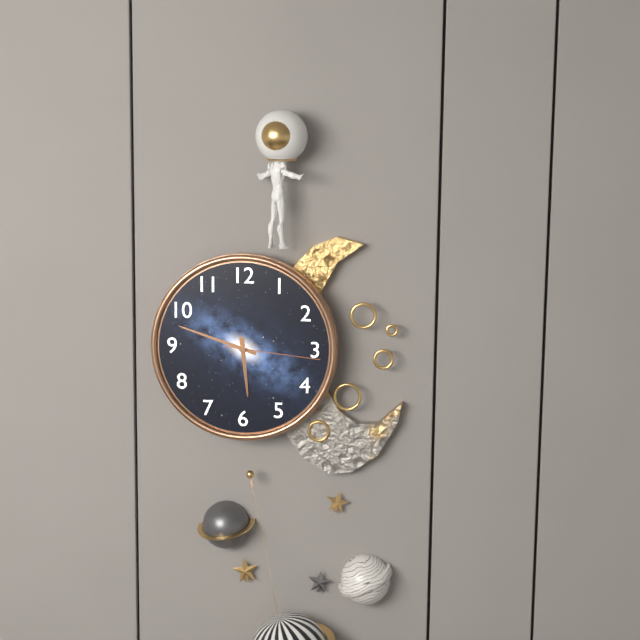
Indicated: 5 h 48 min 16 s
